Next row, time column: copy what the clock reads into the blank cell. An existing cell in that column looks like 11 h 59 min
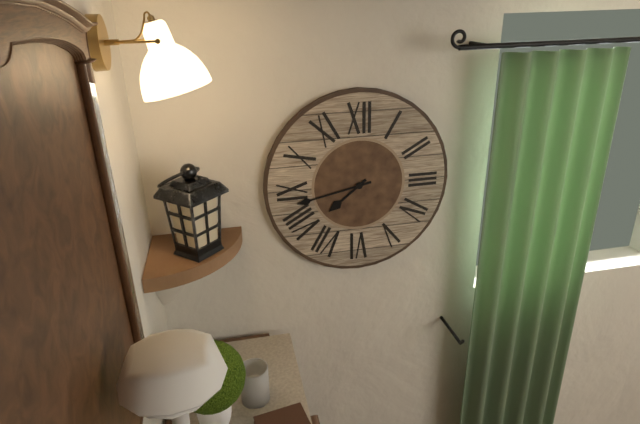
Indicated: 7 h 43 min
